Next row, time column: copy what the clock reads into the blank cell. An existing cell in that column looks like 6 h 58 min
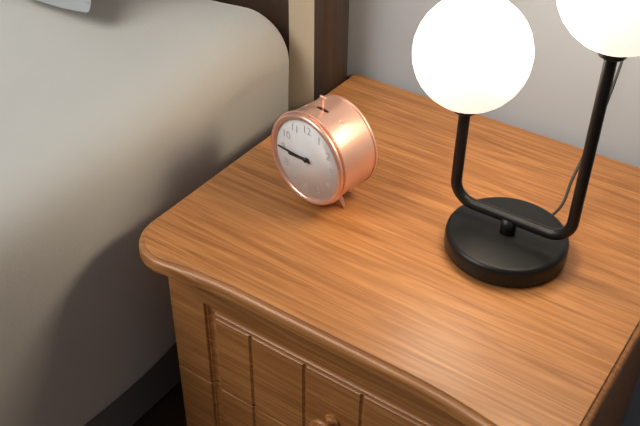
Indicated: 8 h 45 min
